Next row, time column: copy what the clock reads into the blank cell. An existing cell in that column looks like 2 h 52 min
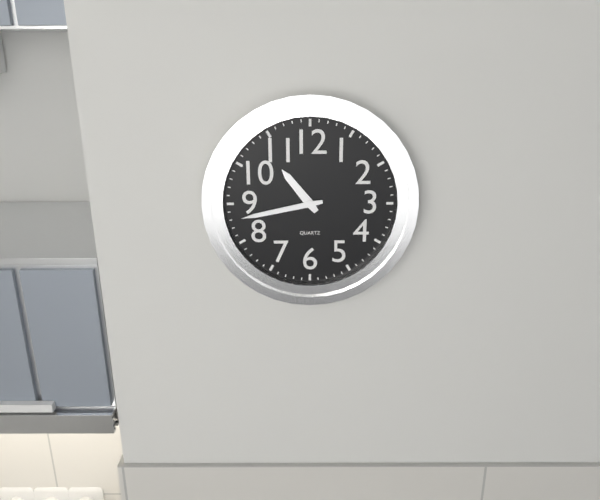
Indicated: 10 h 43 min
